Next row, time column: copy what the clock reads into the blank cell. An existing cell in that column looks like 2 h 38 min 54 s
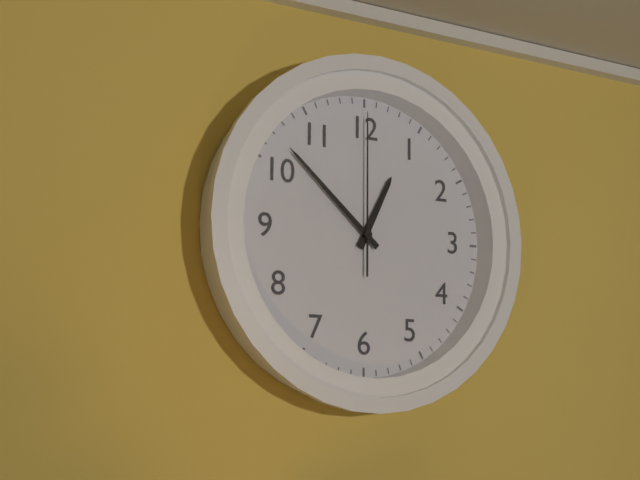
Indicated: 12 h 52 min 00 s
